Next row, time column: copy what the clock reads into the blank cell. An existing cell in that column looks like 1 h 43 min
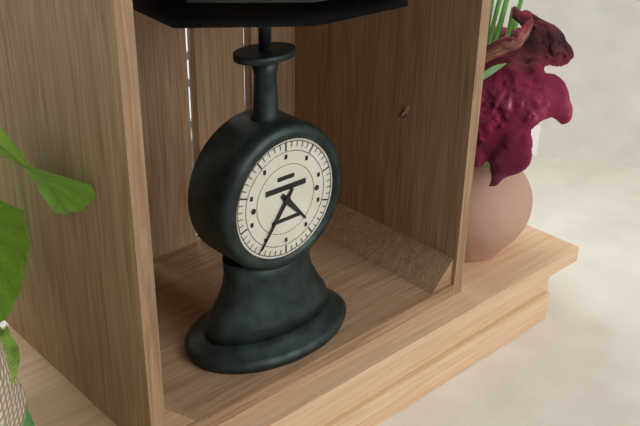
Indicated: 4 h 36 min
